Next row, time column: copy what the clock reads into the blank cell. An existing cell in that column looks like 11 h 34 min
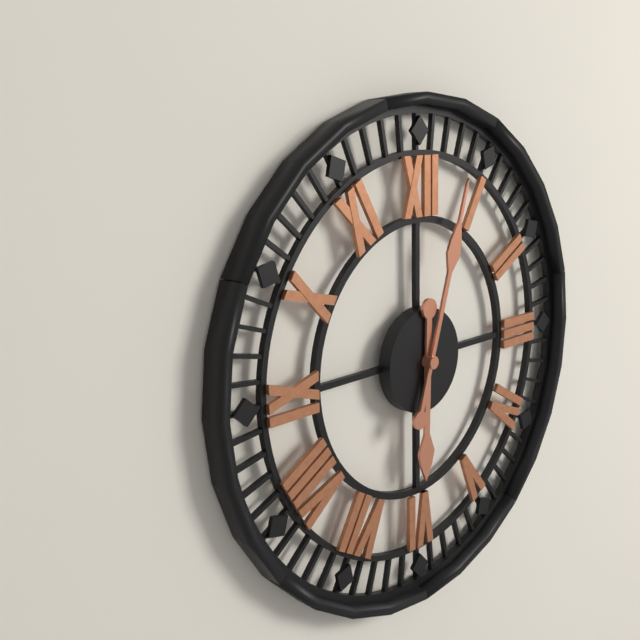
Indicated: 6 h 03 min
